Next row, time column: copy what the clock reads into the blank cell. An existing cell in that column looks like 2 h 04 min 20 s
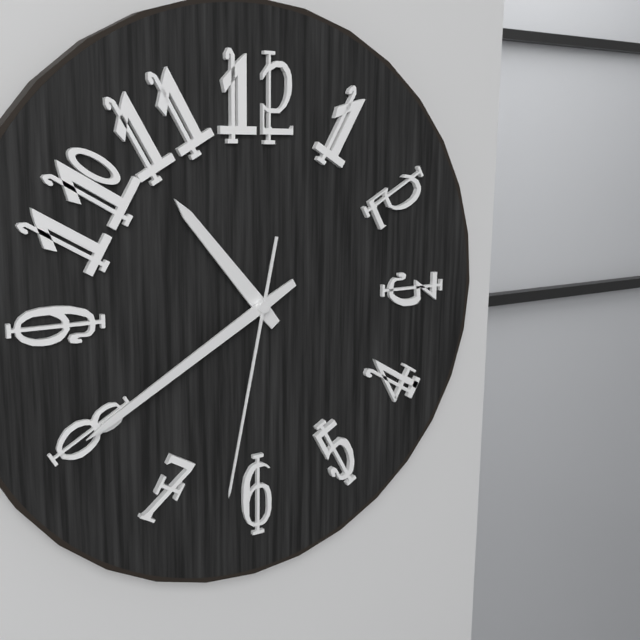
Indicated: 10 h 40 min 32 s
